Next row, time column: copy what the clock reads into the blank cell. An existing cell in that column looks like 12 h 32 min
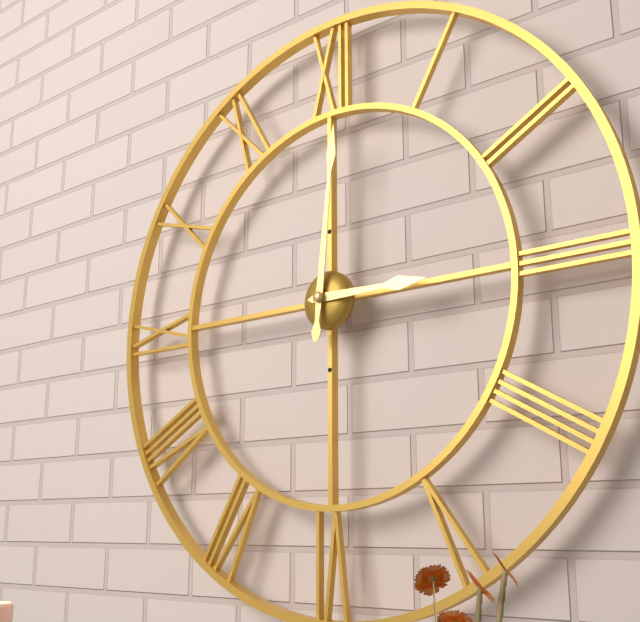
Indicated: 3 h 01 min
